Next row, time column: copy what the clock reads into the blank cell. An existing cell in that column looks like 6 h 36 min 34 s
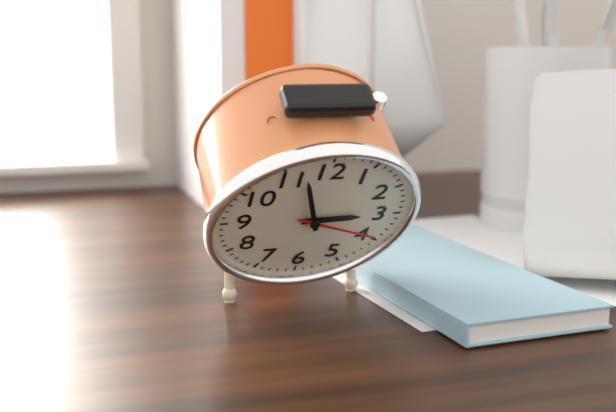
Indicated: 2 h 57 min 19 s
